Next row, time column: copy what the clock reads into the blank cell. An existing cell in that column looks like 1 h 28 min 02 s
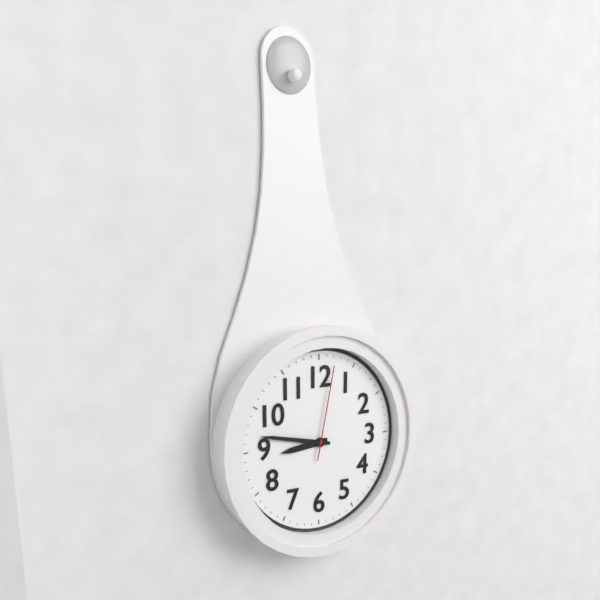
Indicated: 8 h 47 min 02 s
